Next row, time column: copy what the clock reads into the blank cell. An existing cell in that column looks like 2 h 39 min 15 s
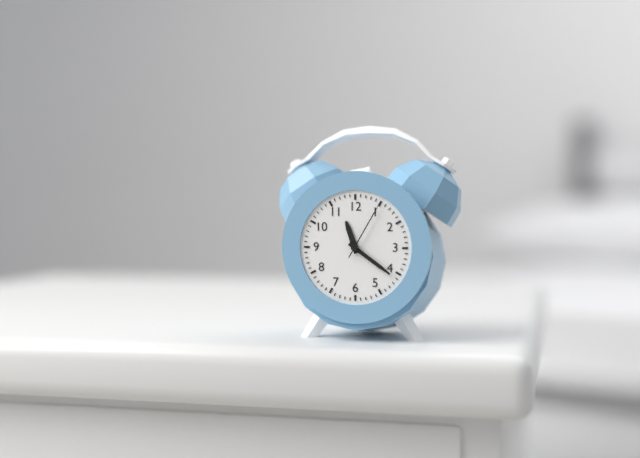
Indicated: 11 h 21 min 05 s
